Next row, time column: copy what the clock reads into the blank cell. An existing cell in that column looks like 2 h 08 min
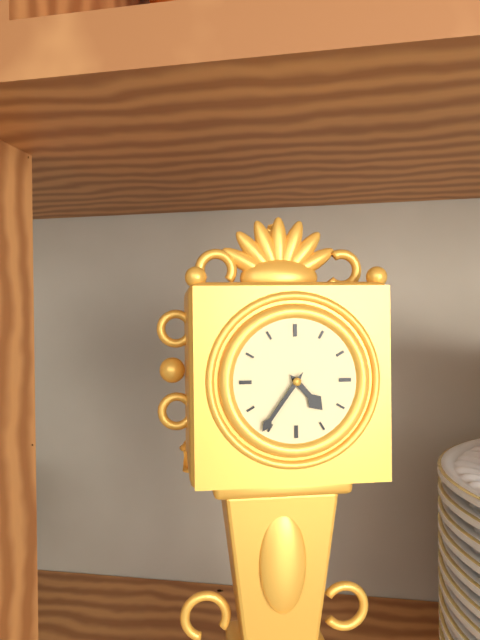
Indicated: 4 h 36 min
